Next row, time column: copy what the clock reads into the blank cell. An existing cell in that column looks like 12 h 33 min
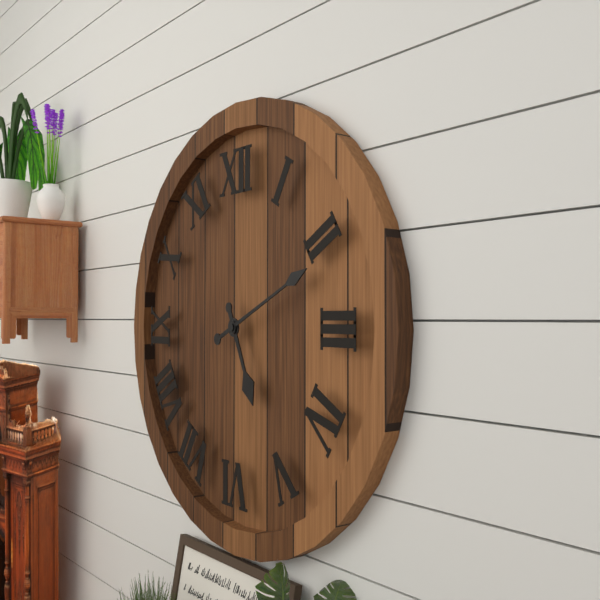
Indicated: 5 h 11 min
